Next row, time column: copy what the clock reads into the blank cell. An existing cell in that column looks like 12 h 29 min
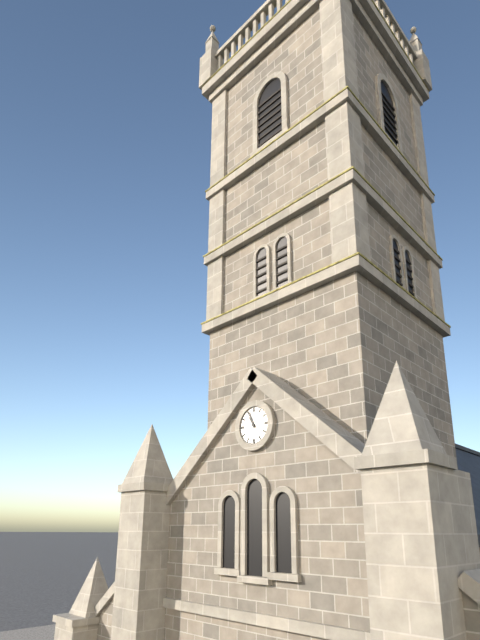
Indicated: 10 h 56 min
